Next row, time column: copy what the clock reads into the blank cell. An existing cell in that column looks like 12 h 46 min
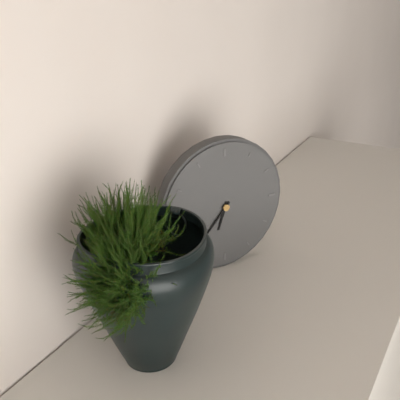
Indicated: 6 h 37 min
